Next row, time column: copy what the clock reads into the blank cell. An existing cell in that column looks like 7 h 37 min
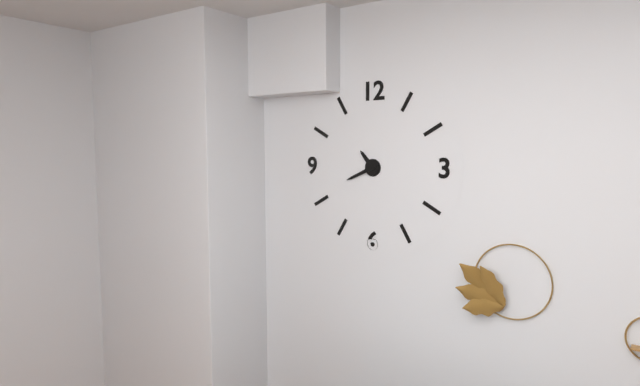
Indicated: 10 h 41 min
